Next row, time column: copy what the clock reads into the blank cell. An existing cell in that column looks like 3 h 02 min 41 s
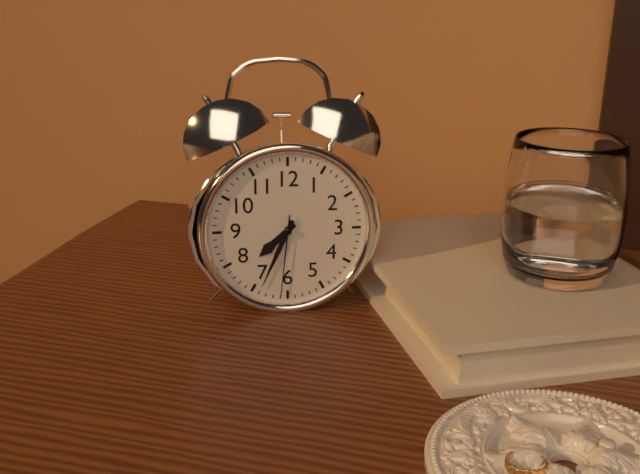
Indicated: 7 h 34 min 31 s
